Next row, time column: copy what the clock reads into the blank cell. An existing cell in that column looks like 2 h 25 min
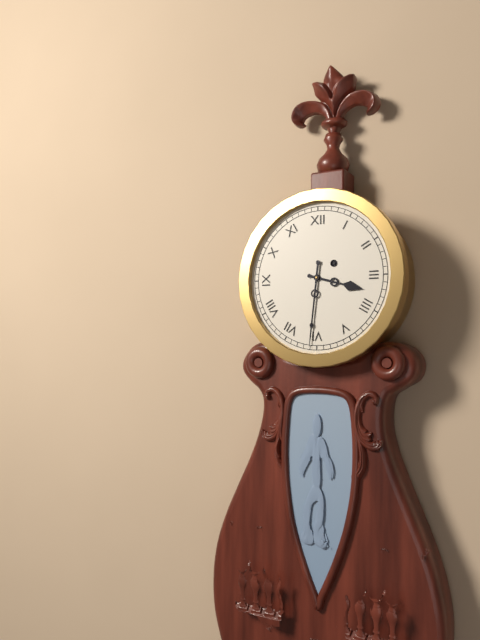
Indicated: 3 h 31 min
